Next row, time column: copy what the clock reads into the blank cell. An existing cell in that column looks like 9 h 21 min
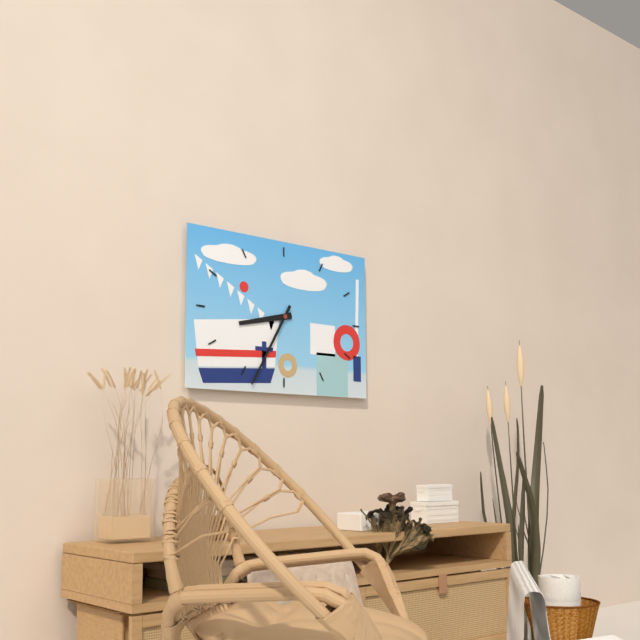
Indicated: 8 h 35 min
